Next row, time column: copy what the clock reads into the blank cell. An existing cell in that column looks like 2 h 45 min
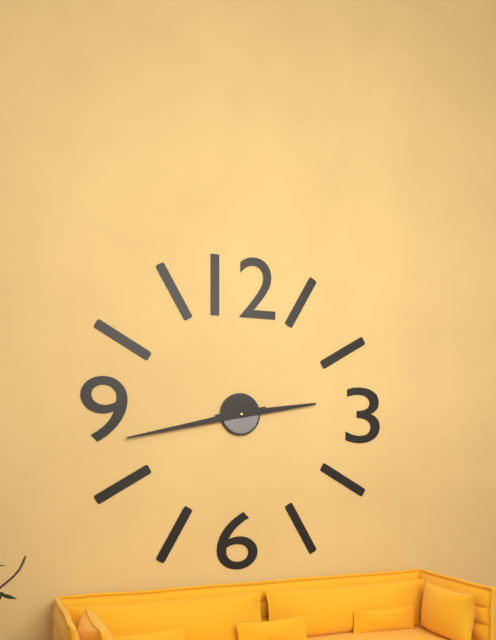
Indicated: 2 h 43 min
